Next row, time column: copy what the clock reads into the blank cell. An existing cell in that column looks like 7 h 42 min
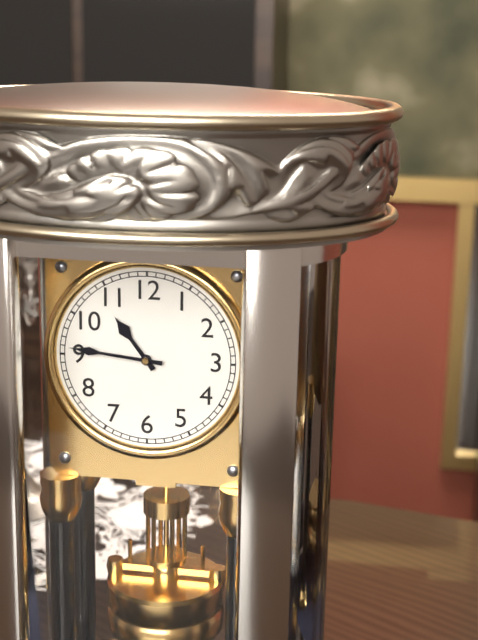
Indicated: 10 h 46 min
